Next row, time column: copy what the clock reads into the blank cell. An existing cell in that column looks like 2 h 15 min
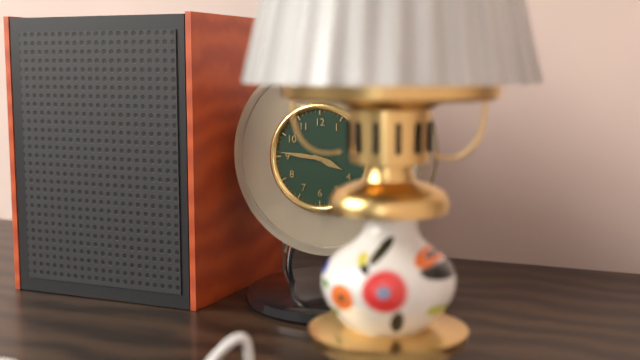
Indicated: 3 h 46 min
